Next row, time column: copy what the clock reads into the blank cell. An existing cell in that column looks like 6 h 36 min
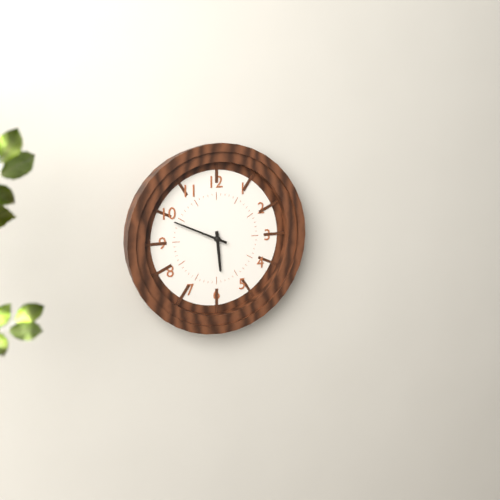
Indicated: 5 h 49 min
